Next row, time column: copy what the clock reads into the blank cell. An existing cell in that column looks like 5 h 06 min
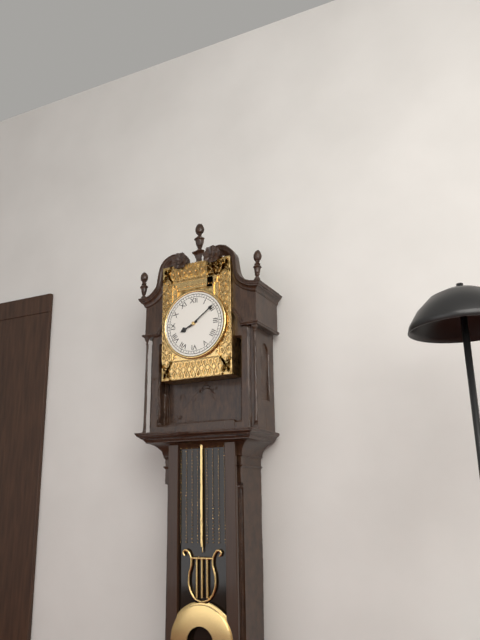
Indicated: 8 h 09 min
